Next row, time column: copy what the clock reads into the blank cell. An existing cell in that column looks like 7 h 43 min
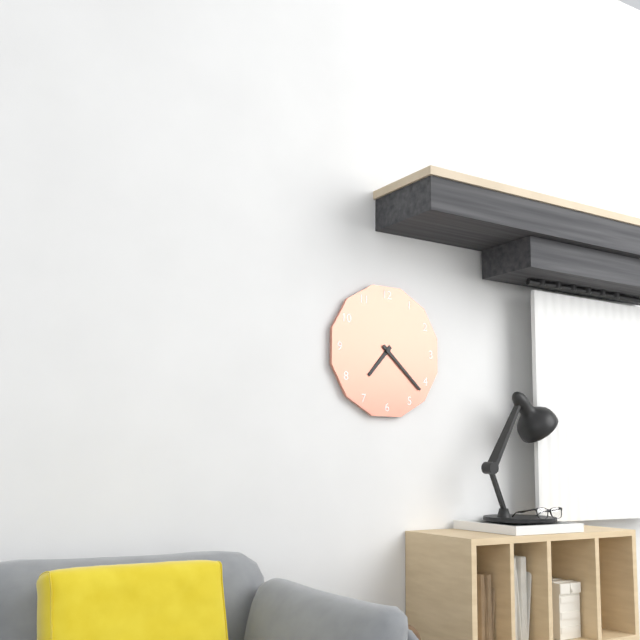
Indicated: 7 h 22 min
